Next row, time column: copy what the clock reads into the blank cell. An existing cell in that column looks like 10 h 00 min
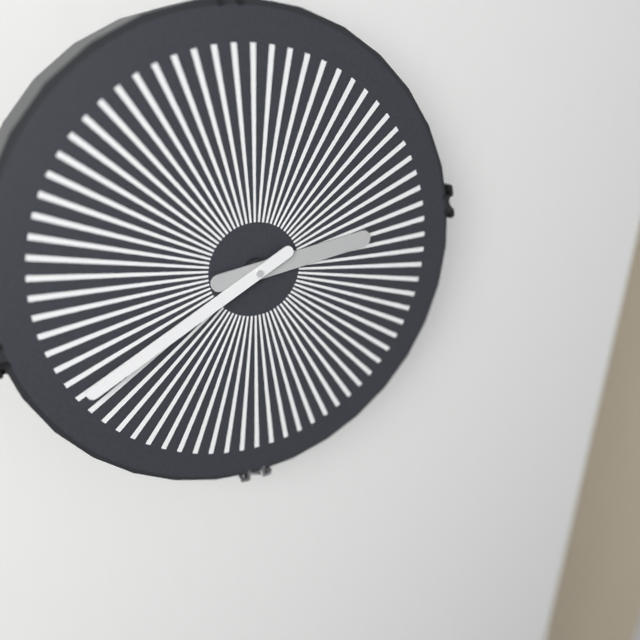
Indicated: 2 h 40 min
